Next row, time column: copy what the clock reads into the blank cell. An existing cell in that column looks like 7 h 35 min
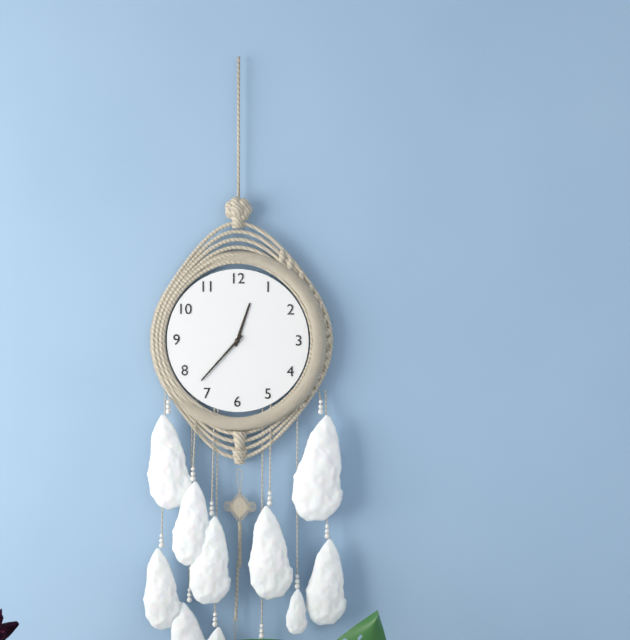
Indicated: 12 h 37 min
